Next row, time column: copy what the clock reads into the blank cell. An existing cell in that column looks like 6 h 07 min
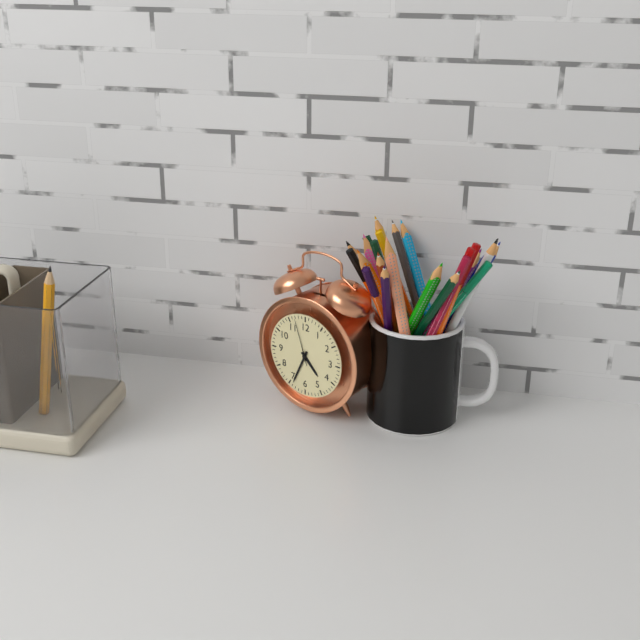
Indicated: 4 h 34 min
